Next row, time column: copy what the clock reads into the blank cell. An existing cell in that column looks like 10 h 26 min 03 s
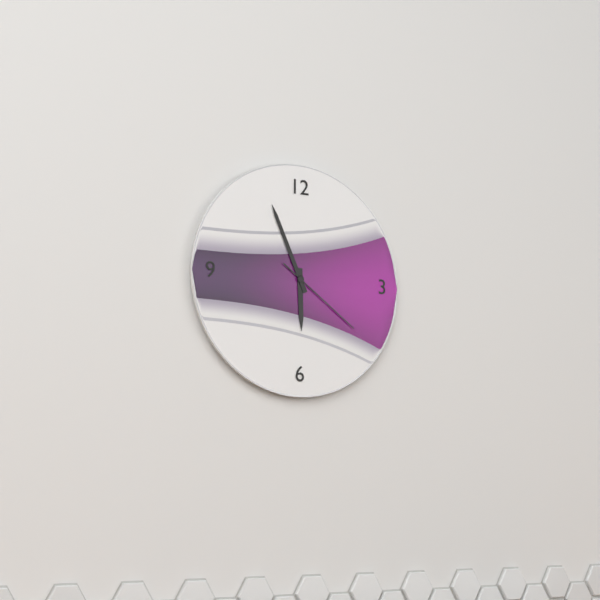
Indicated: 5 h 56 min 21 s
